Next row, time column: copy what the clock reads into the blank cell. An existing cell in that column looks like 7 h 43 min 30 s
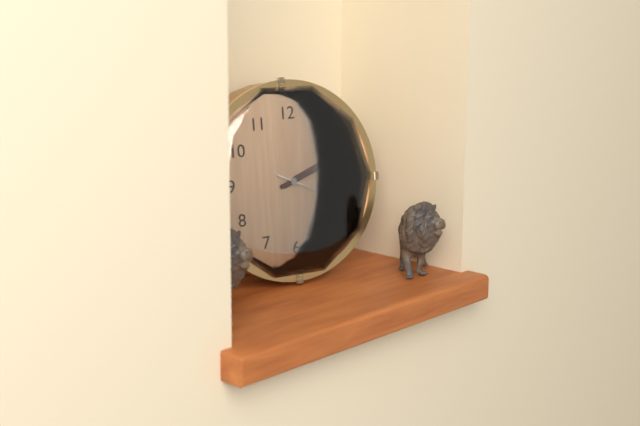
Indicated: 2 h 12 min 19 s
